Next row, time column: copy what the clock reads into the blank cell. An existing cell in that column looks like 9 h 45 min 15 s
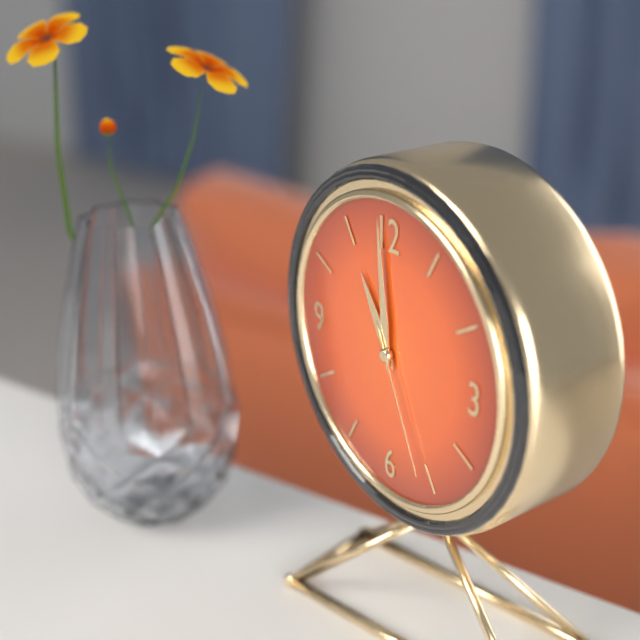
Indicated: 10 h 59 min 26 s
